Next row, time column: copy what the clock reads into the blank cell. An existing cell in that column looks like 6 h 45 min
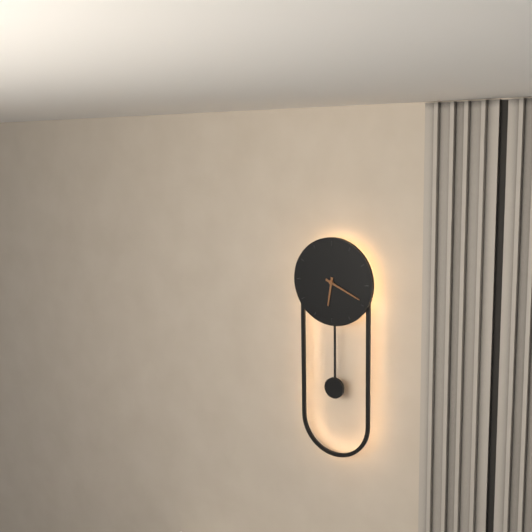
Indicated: 6 h 19 min
